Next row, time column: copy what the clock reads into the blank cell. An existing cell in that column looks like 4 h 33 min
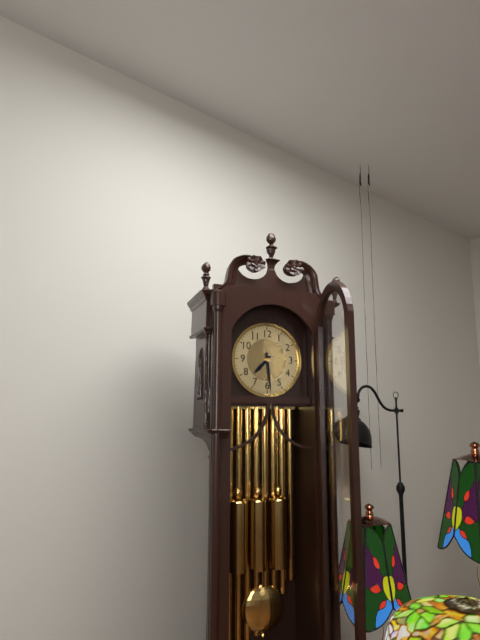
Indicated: 7 h 29 min
